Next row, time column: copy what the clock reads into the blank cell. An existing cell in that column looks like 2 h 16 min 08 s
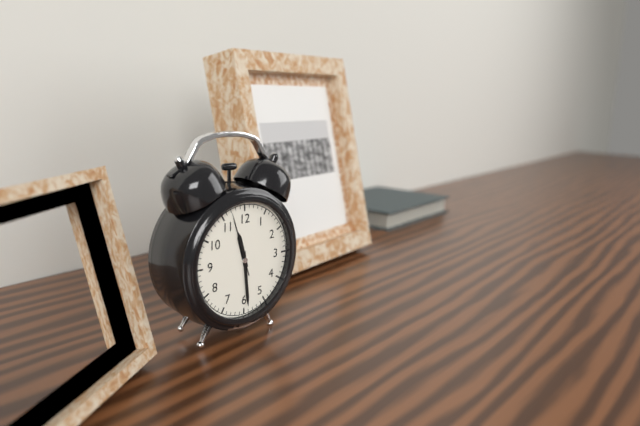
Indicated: 11 h 29 min 57 s
